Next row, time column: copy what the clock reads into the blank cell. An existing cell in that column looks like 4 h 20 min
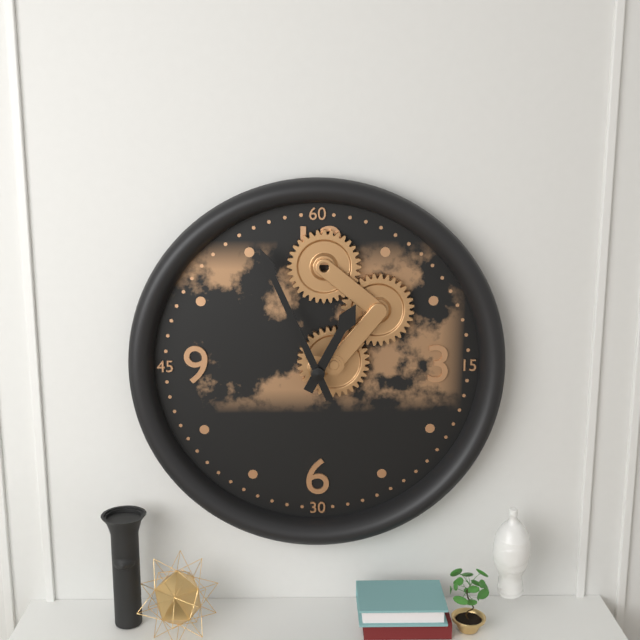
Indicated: 12 h 56 min
